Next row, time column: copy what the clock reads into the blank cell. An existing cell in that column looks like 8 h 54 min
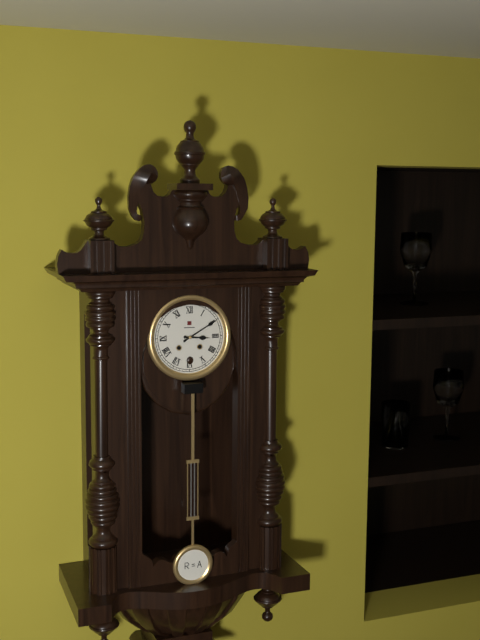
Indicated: 3 h 10 min
